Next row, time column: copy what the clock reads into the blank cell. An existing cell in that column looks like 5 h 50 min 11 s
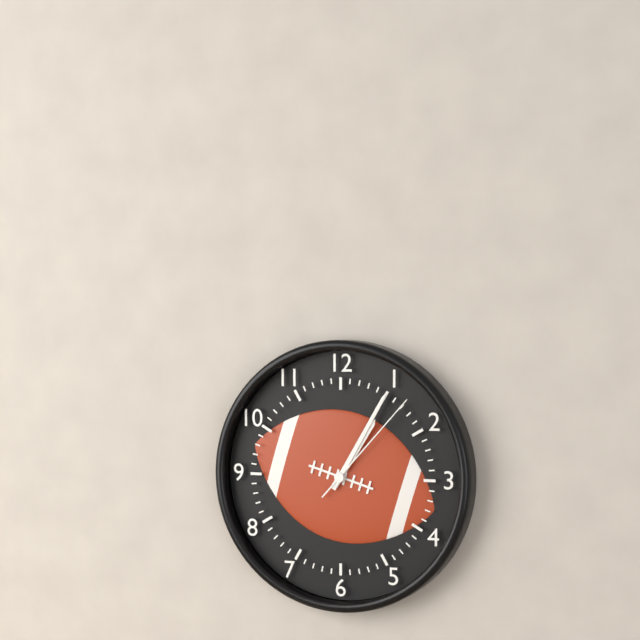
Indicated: 1 h 05 min 07 s
